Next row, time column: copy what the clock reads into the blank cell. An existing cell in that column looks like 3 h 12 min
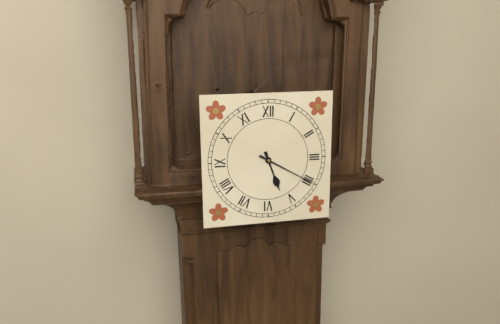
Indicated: 5 h 20 min
